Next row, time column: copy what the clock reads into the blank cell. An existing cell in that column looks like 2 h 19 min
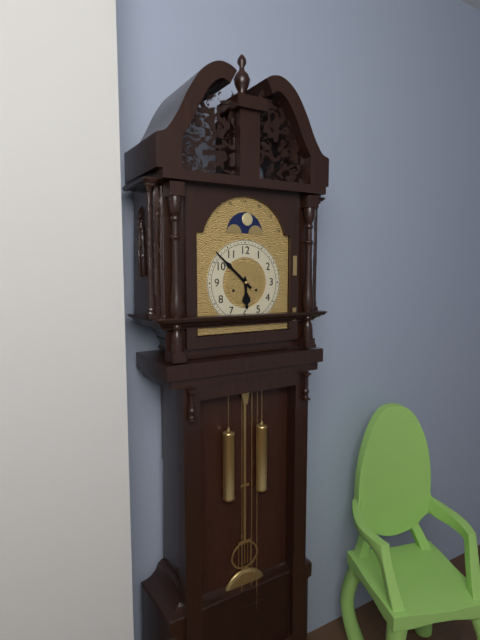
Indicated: 5 h 52 min
